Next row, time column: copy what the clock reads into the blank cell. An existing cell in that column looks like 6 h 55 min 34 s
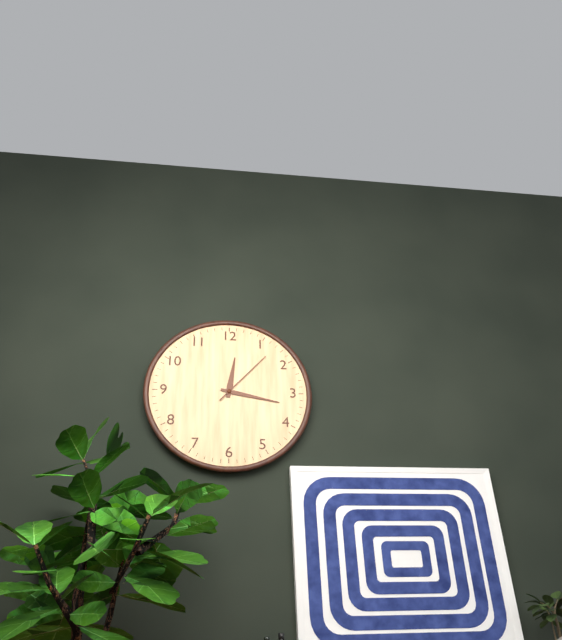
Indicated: 12 h 17 min 07 s
